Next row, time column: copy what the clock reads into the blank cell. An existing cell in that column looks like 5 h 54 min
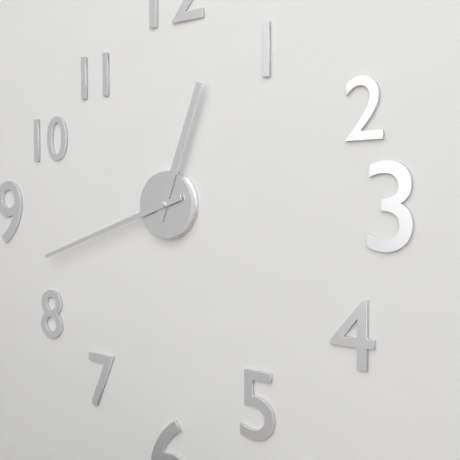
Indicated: 12 h 42 min
